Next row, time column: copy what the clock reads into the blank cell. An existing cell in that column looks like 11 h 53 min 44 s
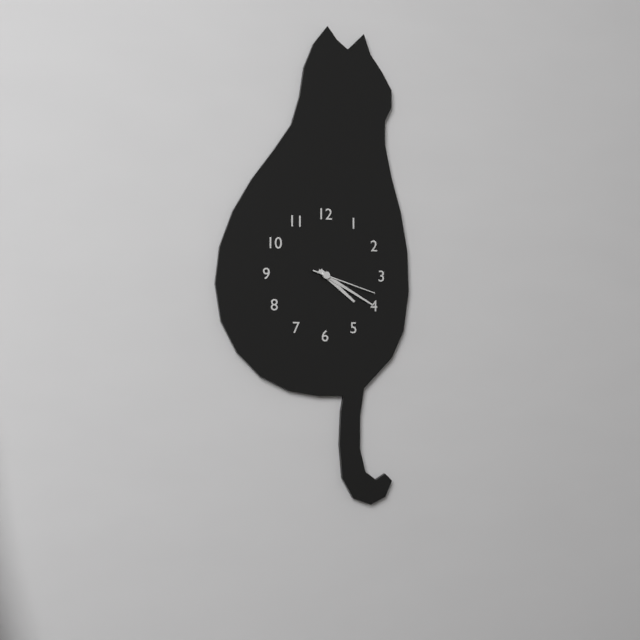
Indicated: 4 h 20 min 18 s
